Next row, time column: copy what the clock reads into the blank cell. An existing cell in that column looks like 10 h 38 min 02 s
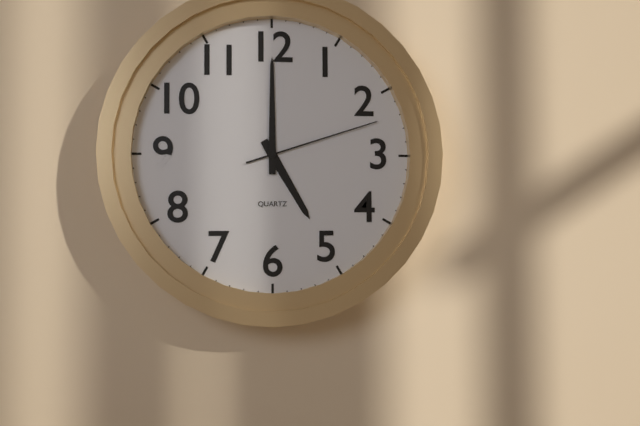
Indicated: 5 h 00 min 12 s
